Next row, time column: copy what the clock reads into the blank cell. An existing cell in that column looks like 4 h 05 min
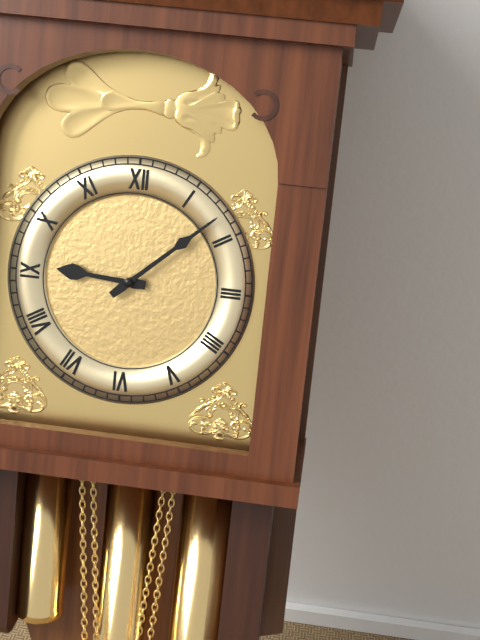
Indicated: 9 h 08 min
